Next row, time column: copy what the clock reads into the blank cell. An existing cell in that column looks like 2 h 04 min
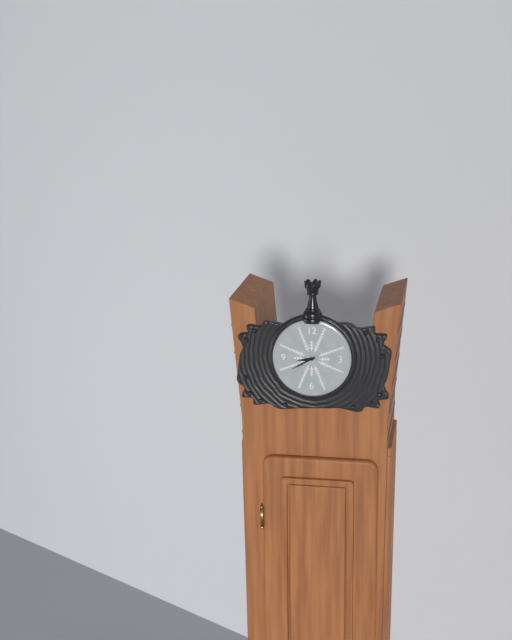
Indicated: 8 h 40 min
